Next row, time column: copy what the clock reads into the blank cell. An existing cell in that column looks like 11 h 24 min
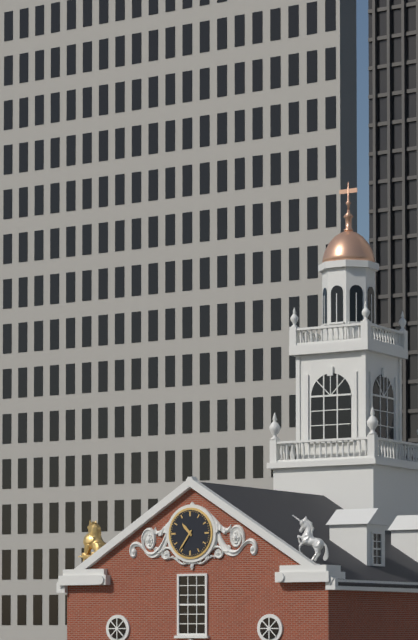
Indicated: 10 h 36 min
